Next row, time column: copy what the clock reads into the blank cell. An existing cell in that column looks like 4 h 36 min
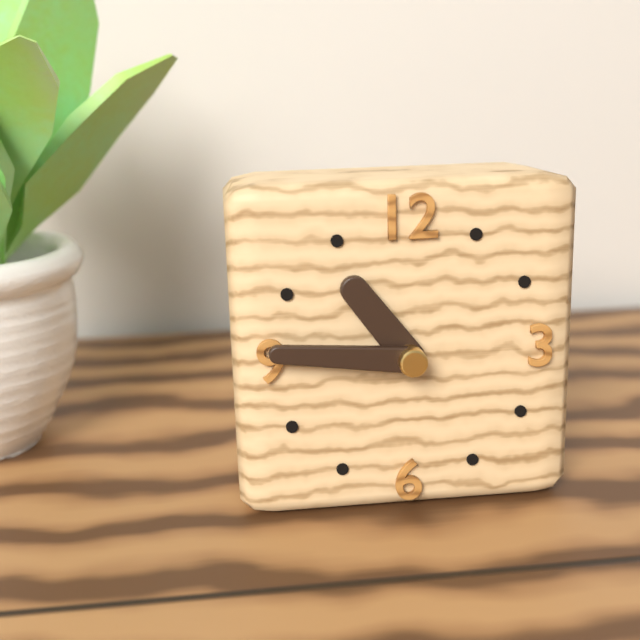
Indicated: 10 h 46 min
